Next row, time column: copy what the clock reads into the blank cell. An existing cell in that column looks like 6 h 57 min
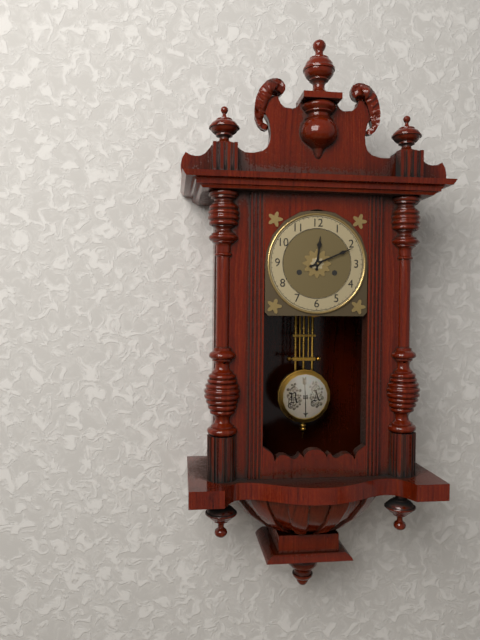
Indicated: 12 h 11 min
